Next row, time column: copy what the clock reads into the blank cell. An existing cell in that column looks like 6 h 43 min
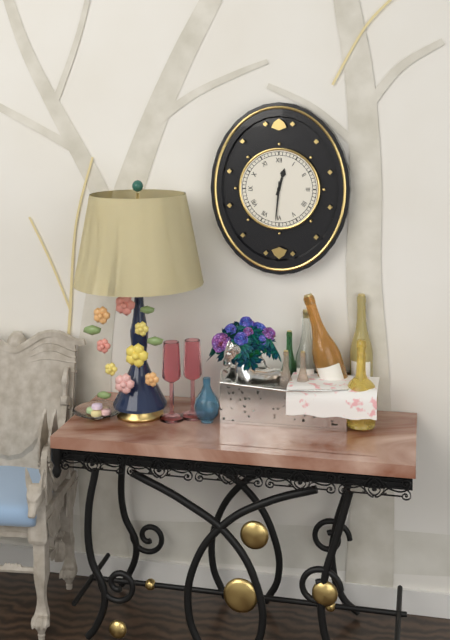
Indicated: 12 h 31 min
